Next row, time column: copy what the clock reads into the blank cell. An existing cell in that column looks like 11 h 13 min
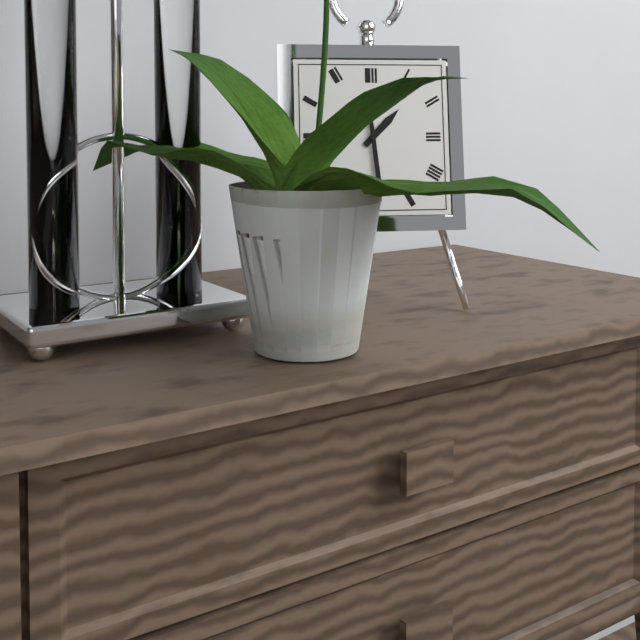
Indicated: 1 h 29 min
